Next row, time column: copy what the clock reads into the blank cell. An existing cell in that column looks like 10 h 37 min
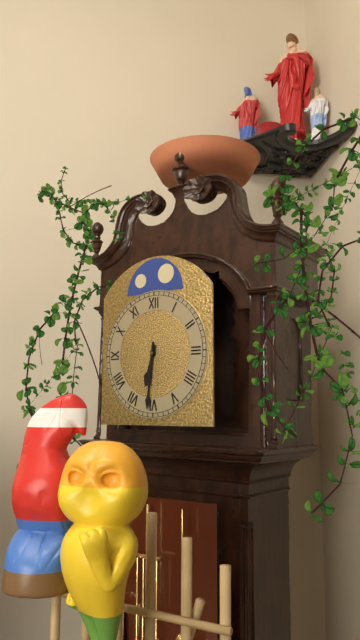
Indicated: 6 h 31 min
